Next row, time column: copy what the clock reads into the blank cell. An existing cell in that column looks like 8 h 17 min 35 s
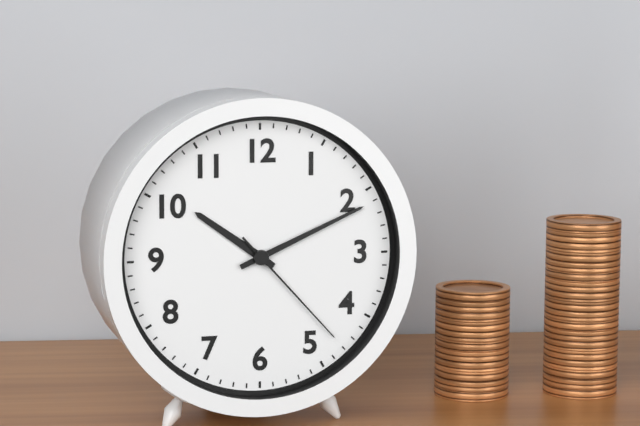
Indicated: 10 h 11 min 23 s
